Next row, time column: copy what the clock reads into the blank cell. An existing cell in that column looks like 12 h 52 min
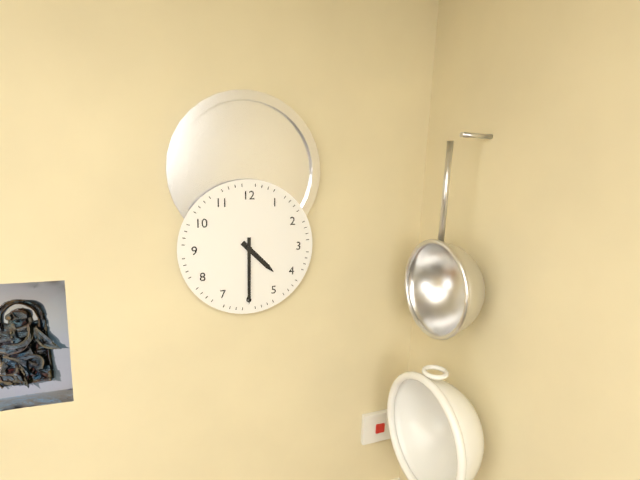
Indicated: 4 h 30 min
